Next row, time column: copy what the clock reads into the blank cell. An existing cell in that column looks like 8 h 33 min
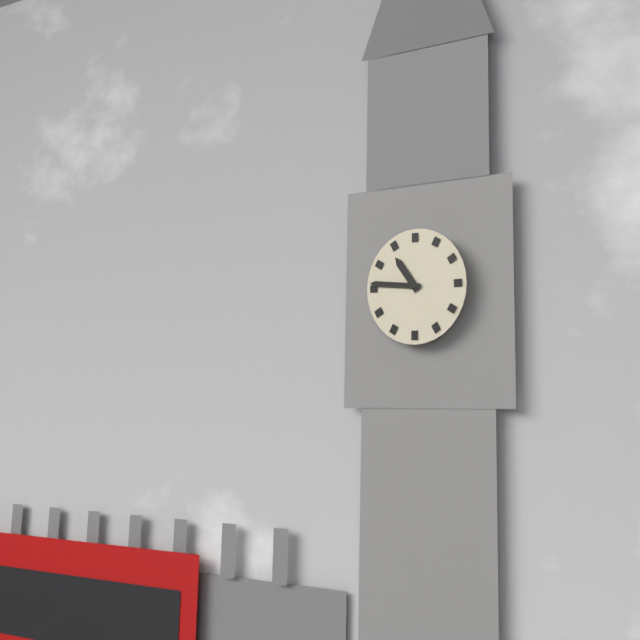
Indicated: 10 h 46 min
